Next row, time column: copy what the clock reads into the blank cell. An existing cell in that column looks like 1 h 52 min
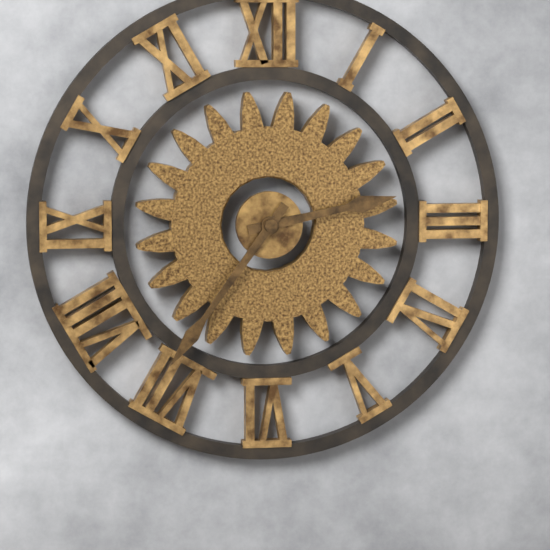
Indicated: 2 h 36 min
